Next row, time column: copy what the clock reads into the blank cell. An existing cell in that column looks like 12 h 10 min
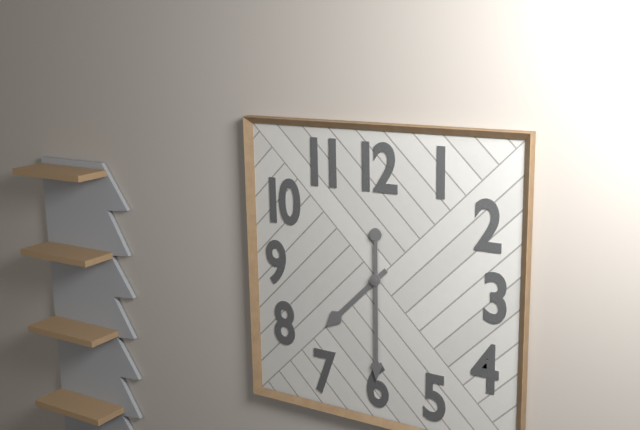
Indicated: 7 h 30 min
